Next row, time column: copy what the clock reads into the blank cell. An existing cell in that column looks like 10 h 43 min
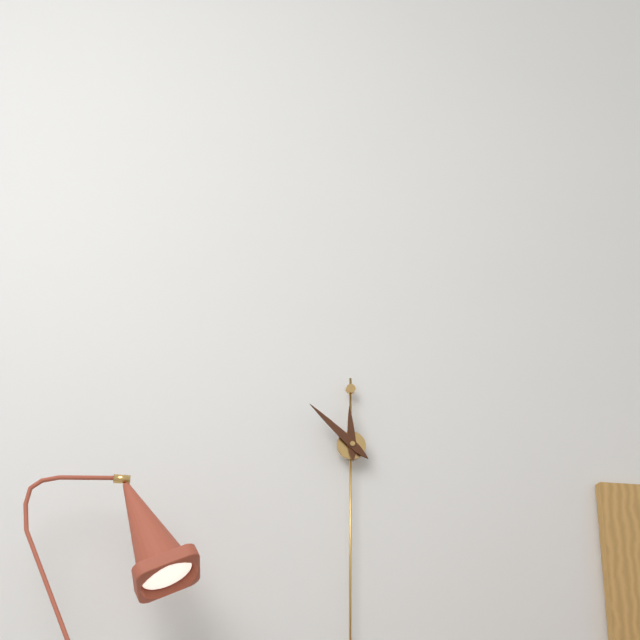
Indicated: 11 h 52 min
